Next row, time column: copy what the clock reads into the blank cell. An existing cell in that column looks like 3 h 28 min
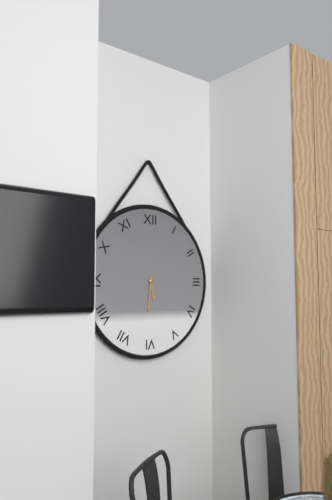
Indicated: 5 h 31 min
